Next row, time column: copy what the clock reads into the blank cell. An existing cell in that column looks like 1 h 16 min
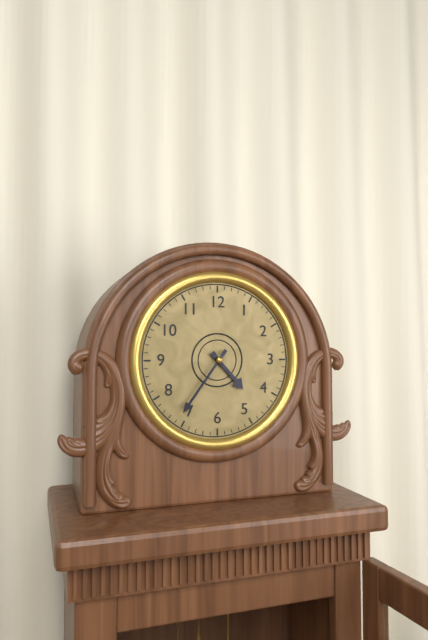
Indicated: 4 h 36 min
